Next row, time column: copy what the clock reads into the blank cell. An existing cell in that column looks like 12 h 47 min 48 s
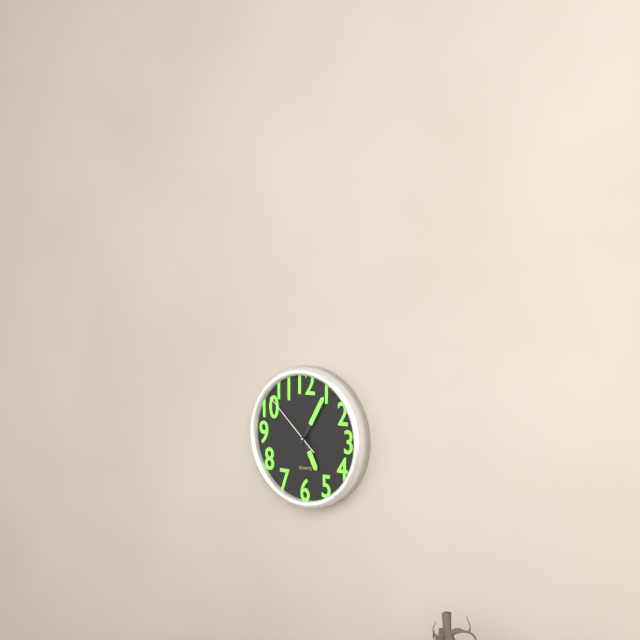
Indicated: 5 h 05 min 52 s
